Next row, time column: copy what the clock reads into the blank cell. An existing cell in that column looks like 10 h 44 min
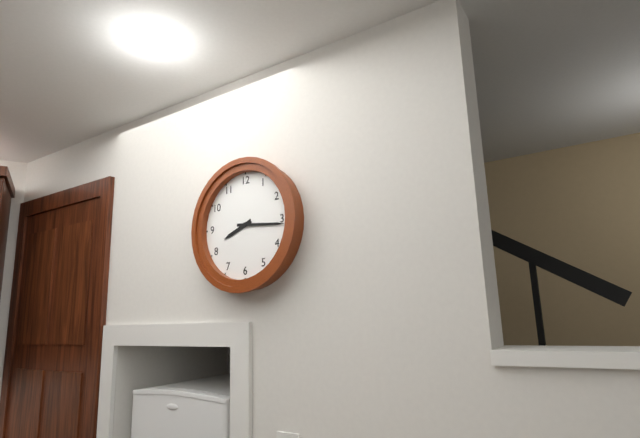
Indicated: 8 h 16 min
